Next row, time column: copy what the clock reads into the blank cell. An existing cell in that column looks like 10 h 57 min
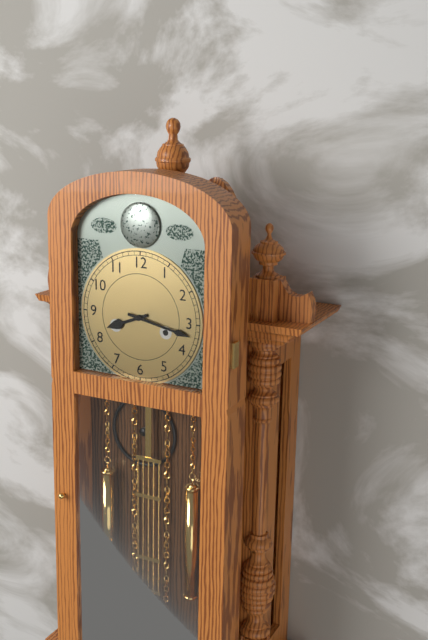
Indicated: 8 h 17 min
